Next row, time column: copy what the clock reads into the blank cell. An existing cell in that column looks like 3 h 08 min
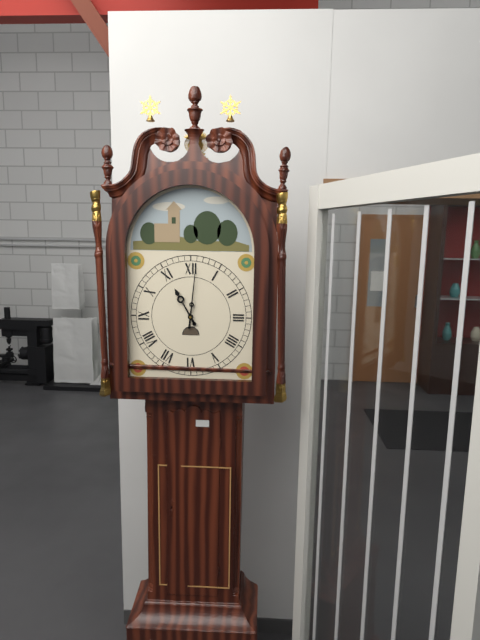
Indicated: 11 h 01 min
